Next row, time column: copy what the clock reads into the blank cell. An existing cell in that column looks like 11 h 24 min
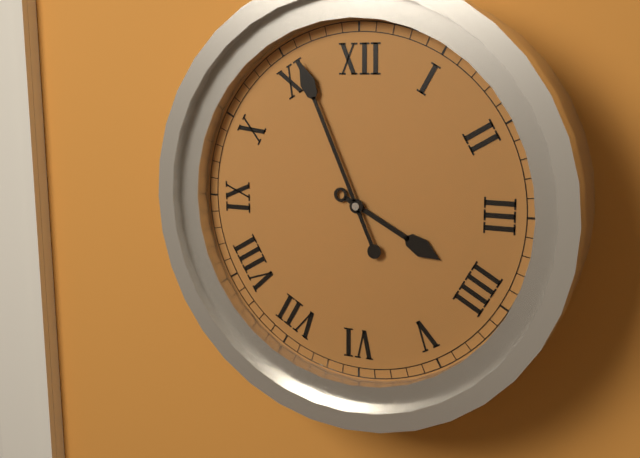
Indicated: 3 h 56 min
